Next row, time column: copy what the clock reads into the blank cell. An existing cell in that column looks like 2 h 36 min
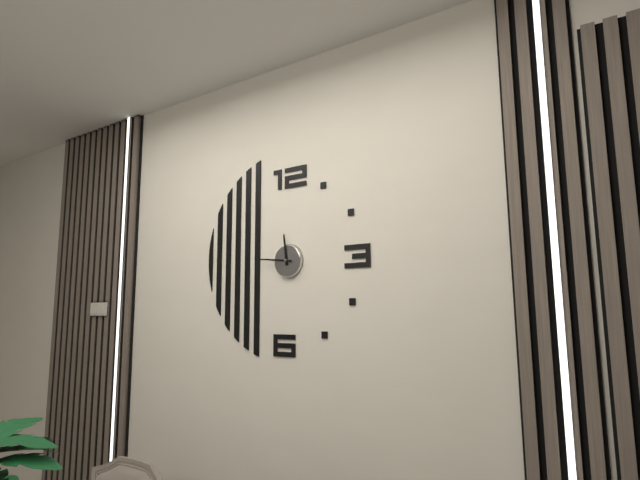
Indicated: 11 h 46 min
